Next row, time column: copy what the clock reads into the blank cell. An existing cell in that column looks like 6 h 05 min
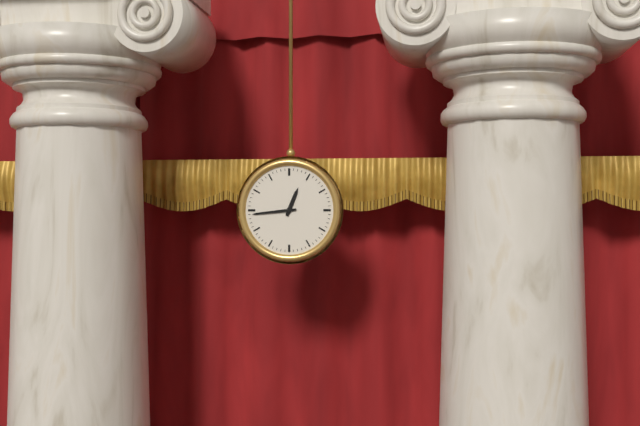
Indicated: 12 h 44 min
